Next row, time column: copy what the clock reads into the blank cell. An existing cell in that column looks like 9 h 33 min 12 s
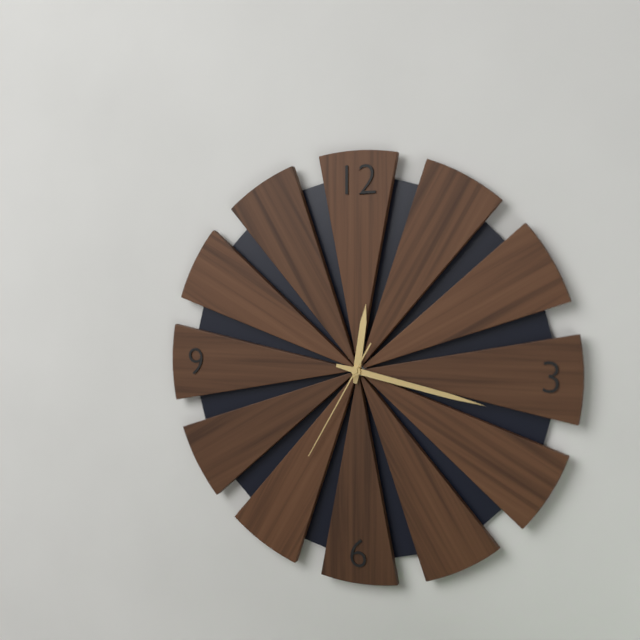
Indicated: 12 h 17 min 35 s
